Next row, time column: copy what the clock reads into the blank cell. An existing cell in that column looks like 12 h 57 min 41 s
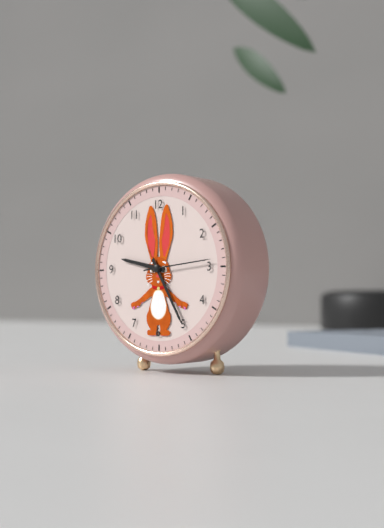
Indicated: 9 h 25 min 14 s
